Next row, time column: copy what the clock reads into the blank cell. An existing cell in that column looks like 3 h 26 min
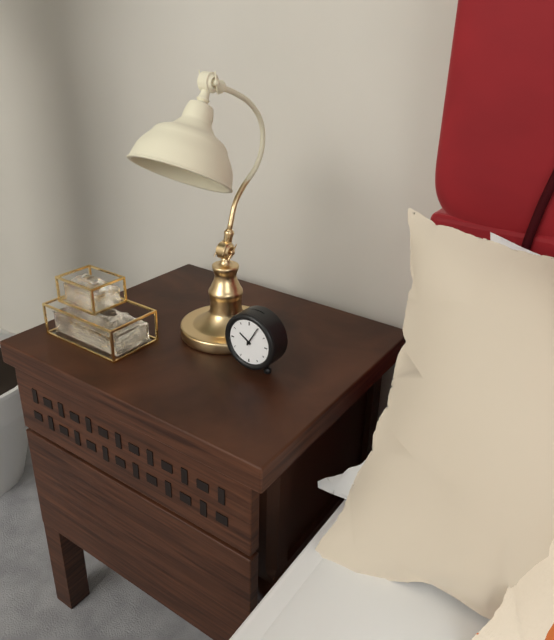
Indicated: 10 h 05 min
